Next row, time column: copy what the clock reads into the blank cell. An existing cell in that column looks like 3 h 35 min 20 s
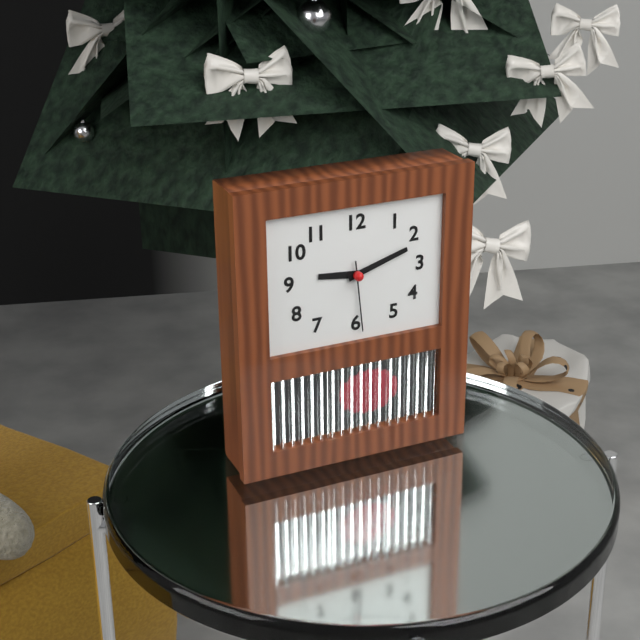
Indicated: 9 h 12 min 29 s
